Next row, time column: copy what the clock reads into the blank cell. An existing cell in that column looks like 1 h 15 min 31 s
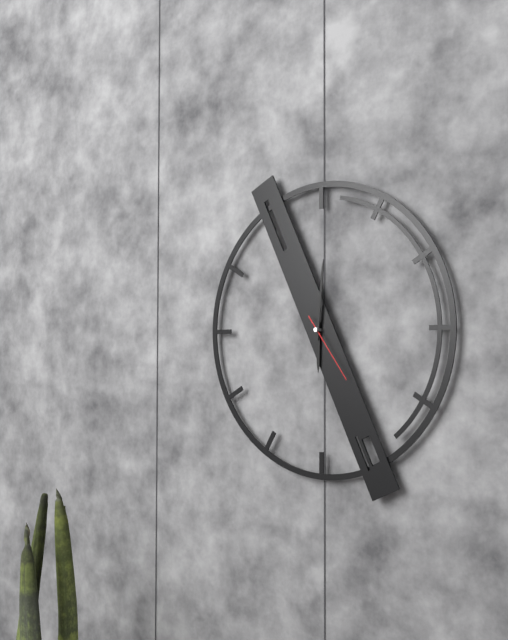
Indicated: 6 h 01 min 24 s
